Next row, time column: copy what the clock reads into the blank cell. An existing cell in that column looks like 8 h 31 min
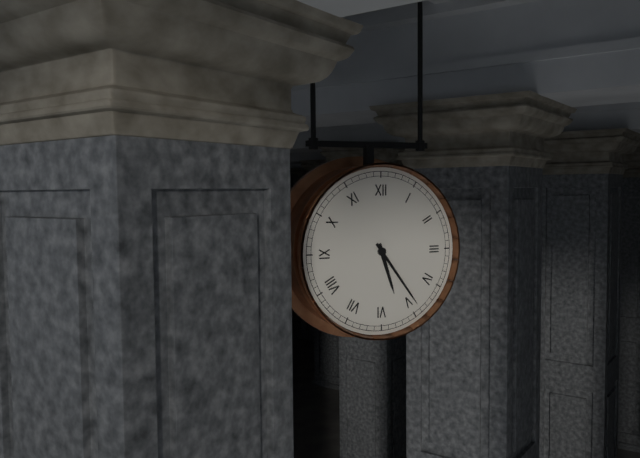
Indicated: 5 h 24 min
